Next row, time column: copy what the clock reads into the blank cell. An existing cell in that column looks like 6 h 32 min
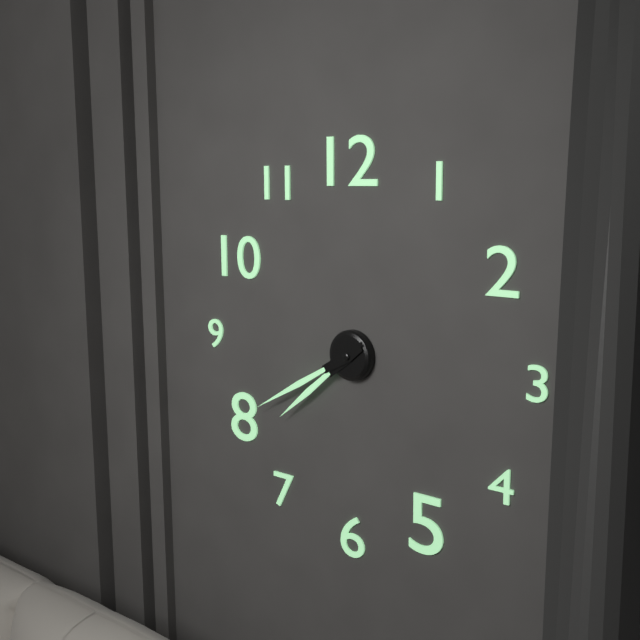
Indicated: 7 h 40 min
